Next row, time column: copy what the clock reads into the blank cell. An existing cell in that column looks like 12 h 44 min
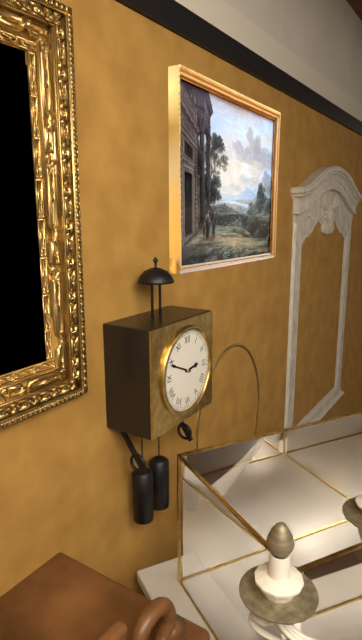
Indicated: 2 h 49 min
